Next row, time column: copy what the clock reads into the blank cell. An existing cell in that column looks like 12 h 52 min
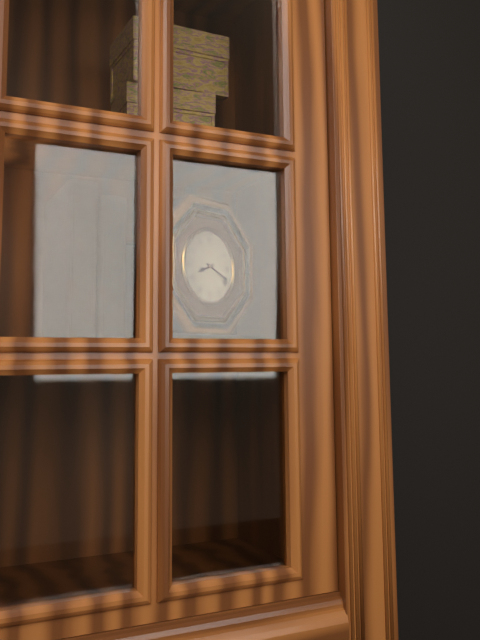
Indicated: 8 h 19 min
